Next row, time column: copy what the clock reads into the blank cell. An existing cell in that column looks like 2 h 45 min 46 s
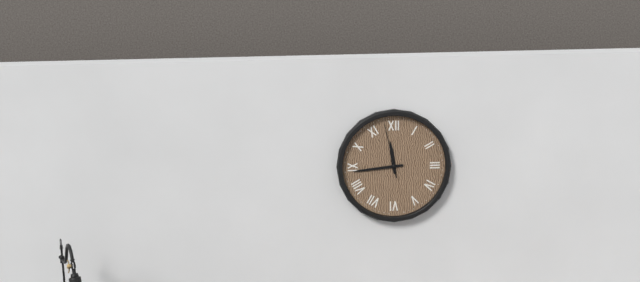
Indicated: 11 h 44 min 58 s
